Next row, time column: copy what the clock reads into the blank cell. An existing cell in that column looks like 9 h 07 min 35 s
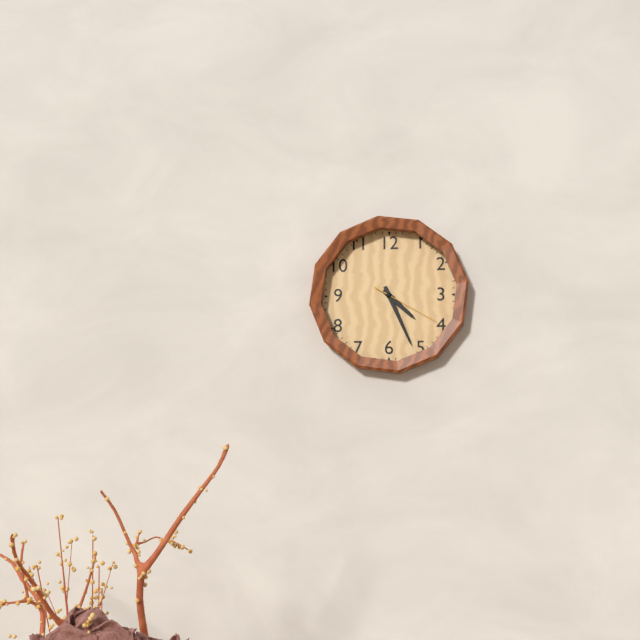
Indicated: 4 h 26 min 20 s
